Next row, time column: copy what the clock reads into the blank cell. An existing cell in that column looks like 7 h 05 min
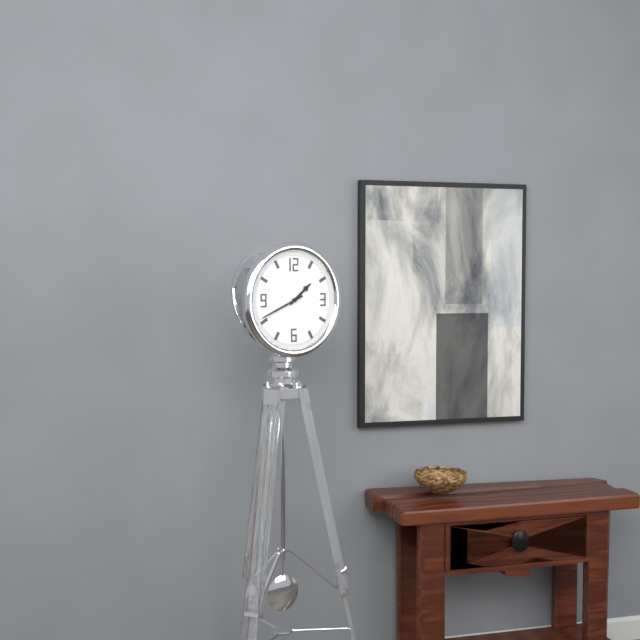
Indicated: 1 h 41 min
